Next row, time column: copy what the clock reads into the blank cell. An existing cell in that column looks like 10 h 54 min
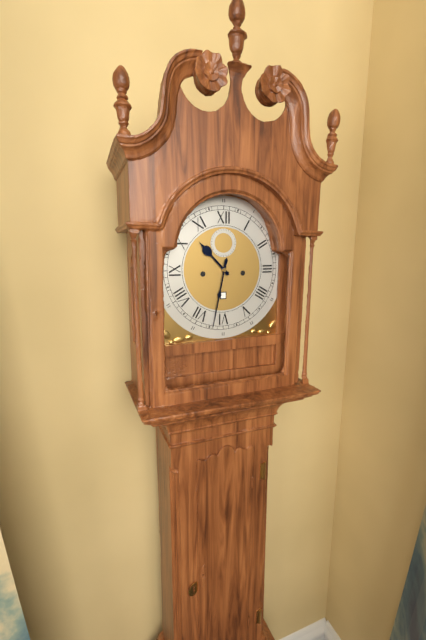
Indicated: 10 h 32 min
